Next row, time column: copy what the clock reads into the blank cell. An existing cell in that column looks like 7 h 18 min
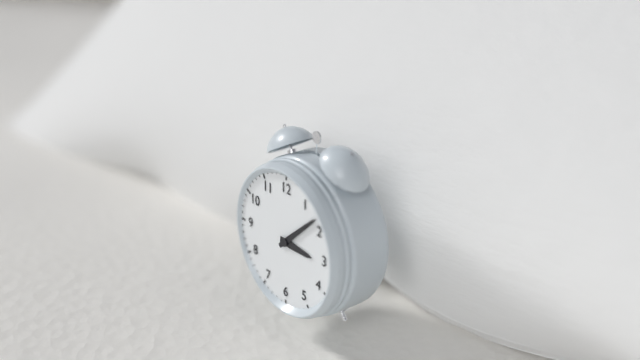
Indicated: 3 h 08 min
